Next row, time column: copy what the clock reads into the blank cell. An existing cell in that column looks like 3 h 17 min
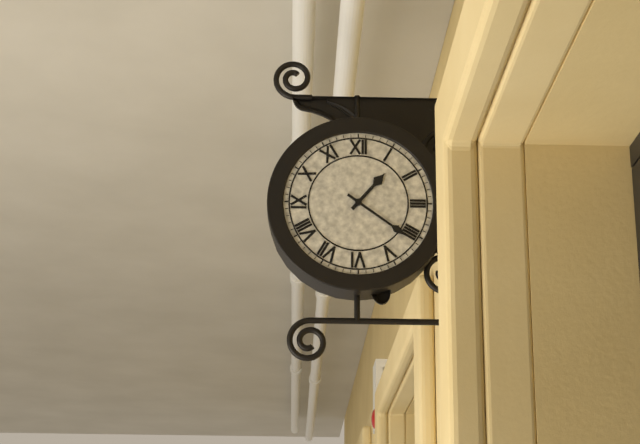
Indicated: 1 h 21 min
